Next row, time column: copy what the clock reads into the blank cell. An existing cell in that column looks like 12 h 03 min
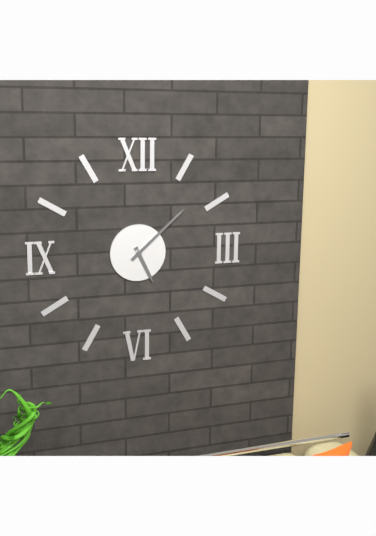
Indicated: 5 h 08 min
